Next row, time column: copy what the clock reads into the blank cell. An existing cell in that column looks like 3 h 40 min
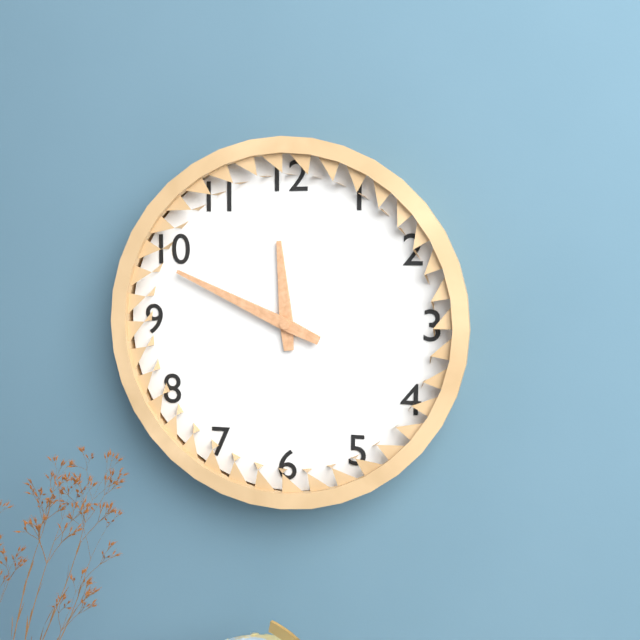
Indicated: 11 h 49 min
